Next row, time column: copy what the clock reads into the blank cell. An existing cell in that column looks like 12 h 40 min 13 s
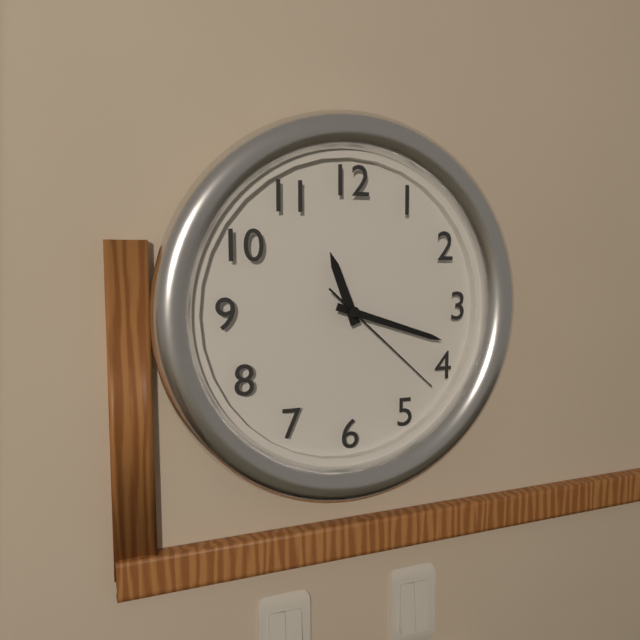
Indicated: 11 h 18 min 22 s
